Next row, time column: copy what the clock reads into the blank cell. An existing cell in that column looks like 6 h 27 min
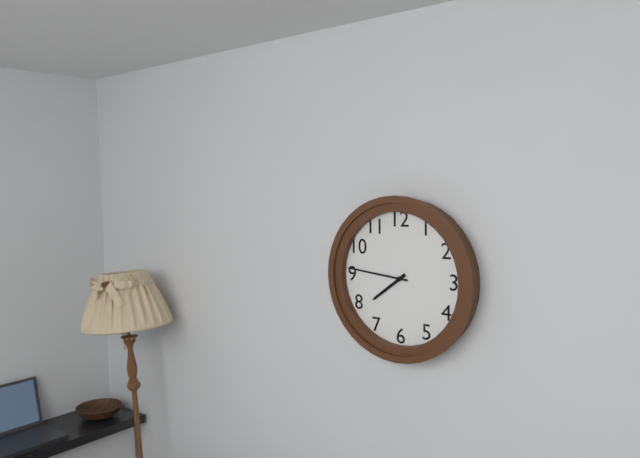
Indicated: 7 h 46 min
